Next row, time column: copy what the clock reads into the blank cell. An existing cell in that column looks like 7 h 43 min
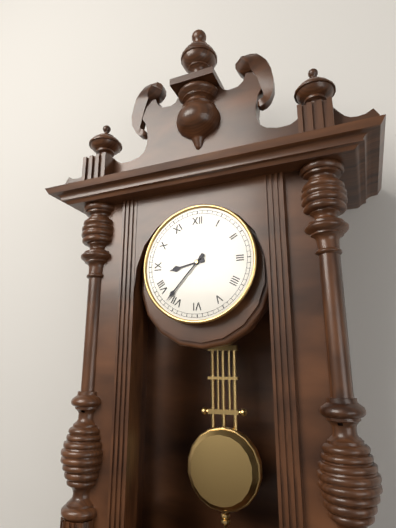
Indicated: 8 h 37 min
